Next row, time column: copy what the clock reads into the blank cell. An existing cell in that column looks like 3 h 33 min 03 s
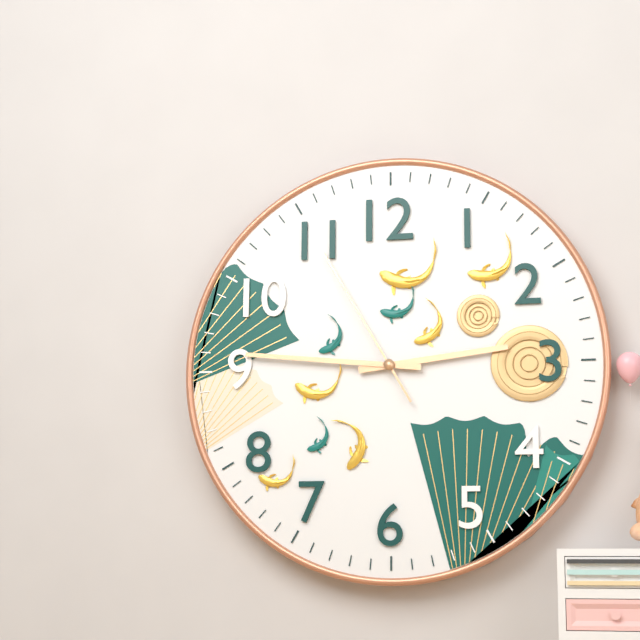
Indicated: 2 h 46 min 55 s
